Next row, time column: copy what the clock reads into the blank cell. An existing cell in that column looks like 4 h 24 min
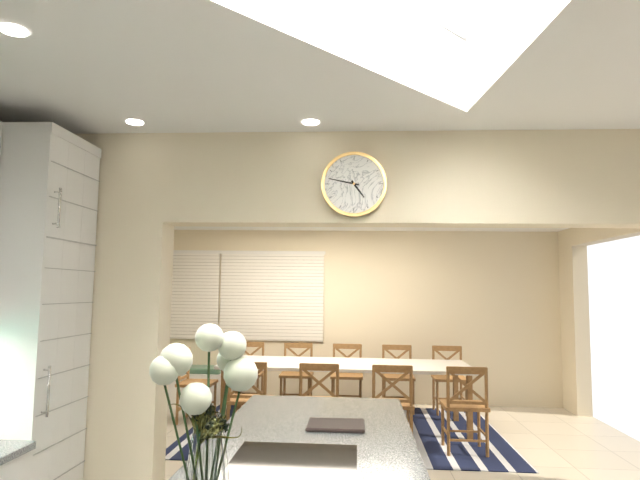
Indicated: 4 h 47 min
